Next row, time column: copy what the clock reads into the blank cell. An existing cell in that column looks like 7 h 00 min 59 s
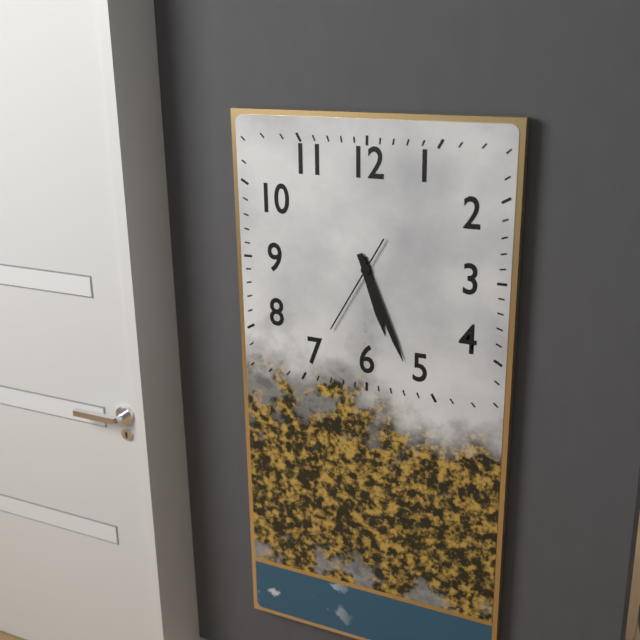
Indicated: 5 h 26 min 35 s
